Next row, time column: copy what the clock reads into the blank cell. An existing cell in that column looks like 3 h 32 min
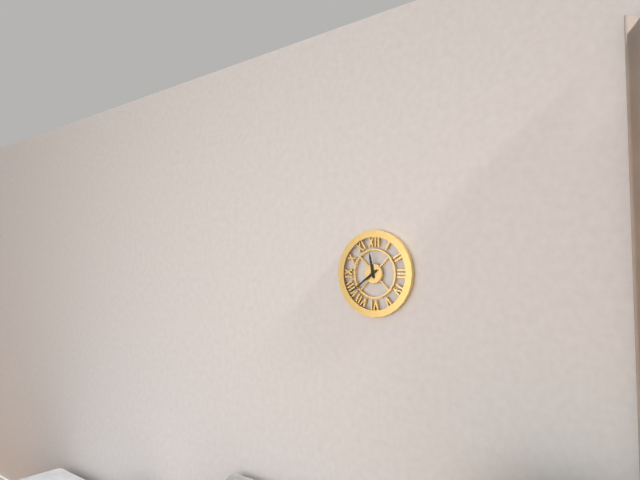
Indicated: 11 h 39 min
